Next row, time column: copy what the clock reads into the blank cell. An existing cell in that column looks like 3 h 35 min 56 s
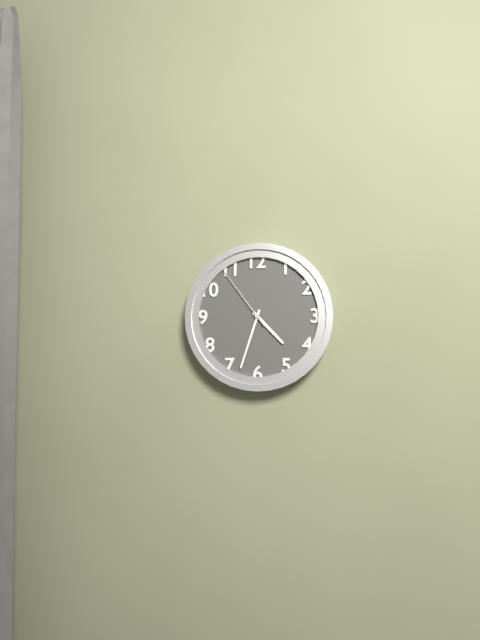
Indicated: 4 h 33 min 54 s
